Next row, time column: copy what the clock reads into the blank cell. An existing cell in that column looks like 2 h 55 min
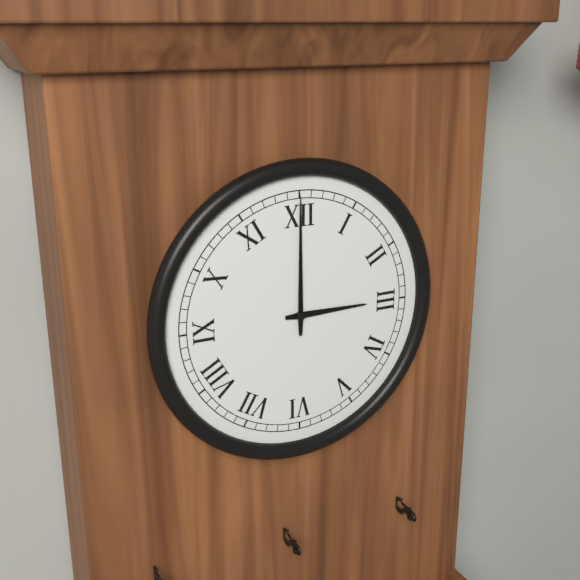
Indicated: 3 h 00 min
